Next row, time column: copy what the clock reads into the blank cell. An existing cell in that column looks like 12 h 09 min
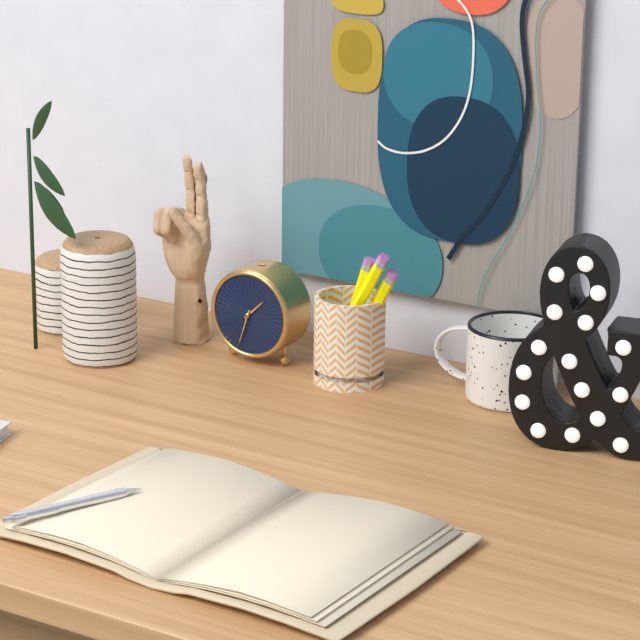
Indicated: 1 h 33 min
